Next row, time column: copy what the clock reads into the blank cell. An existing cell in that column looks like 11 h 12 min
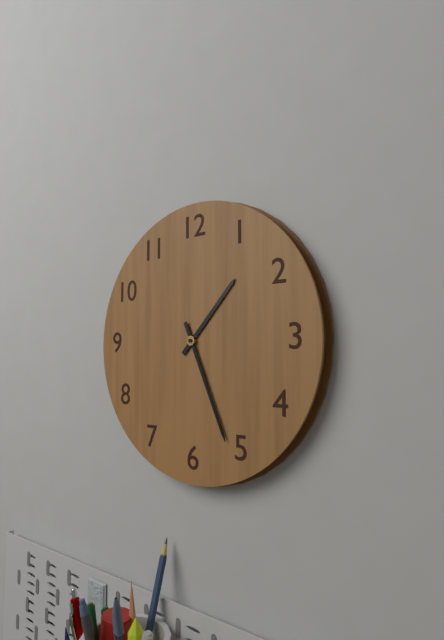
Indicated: 1 h 26 min
